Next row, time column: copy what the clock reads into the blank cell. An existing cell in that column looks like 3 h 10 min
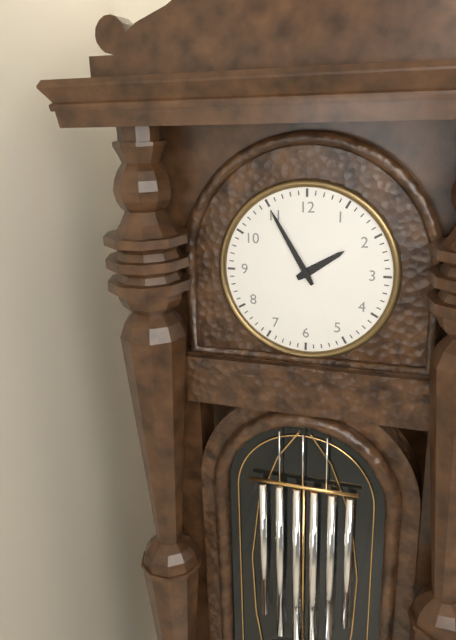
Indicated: 1 h 55 min
